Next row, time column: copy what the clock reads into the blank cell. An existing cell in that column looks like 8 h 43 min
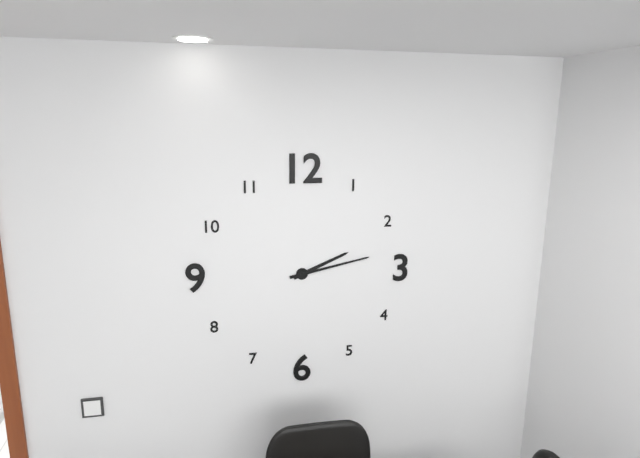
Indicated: 2 h 13 min
